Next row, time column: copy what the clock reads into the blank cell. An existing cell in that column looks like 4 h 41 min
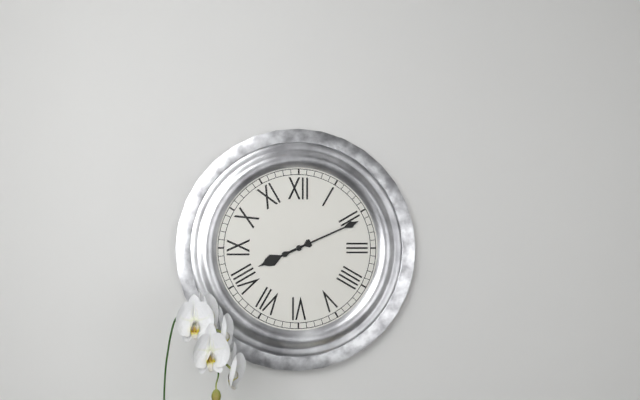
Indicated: 8 h 11 min
